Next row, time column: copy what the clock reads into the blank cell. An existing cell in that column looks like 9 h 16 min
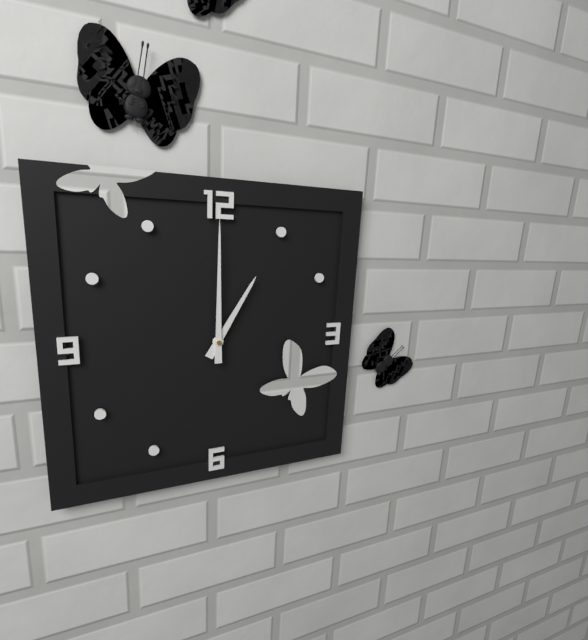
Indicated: 1 h 00 min
